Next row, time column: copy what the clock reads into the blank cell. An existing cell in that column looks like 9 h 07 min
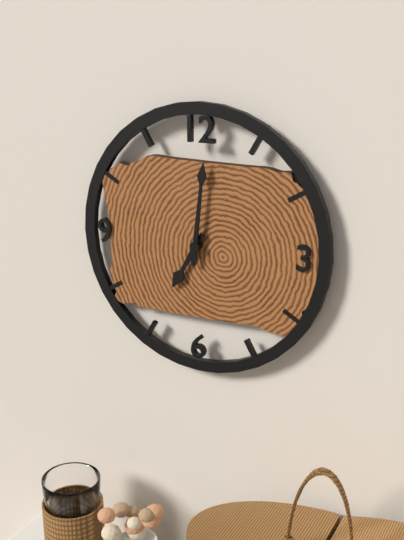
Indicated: 7 h 01 min
